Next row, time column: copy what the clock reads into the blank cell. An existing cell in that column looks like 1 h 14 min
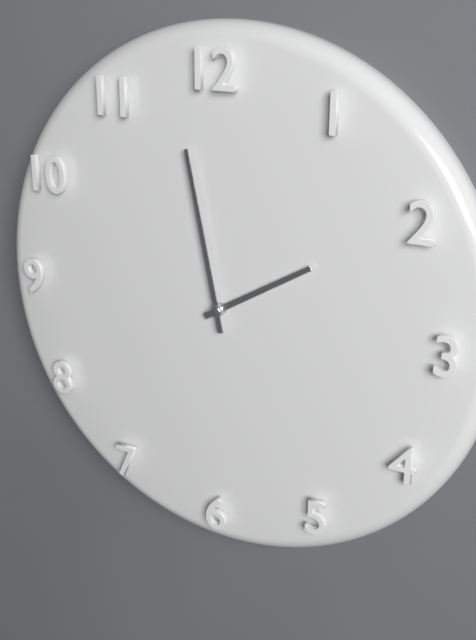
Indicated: 1 h 58 min
